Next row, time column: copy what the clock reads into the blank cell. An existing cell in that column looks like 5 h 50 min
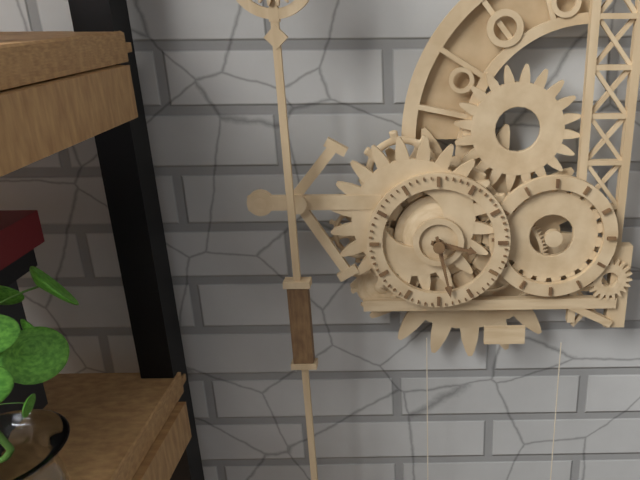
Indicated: 3 h 28 min
